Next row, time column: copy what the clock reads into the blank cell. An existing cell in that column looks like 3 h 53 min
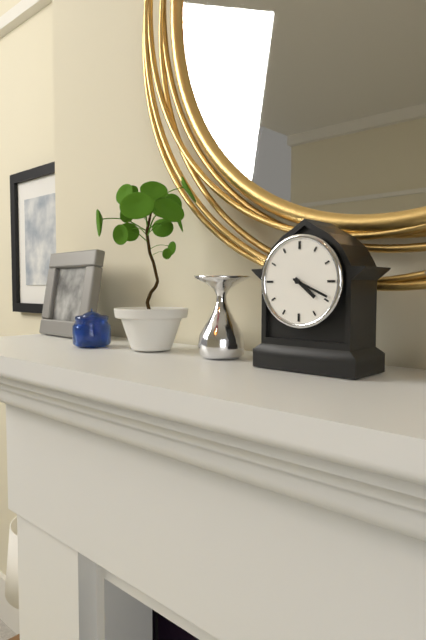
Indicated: 4 h 19 min
